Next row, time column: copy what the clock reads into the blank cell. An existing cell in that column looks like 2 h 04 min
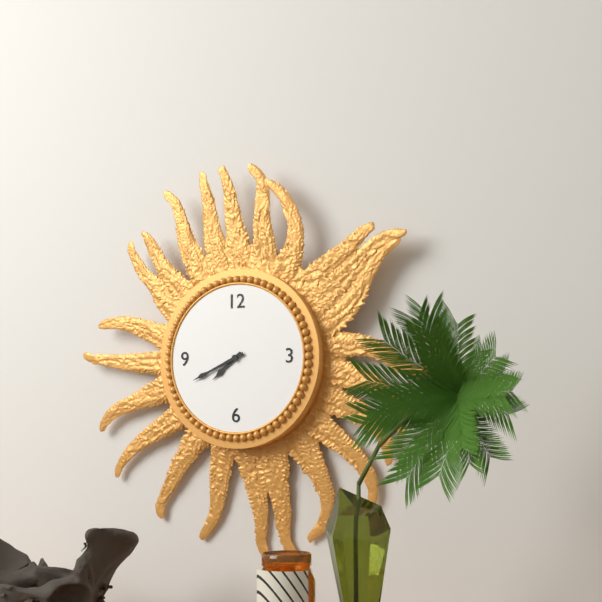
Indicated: 7 h 41 min
